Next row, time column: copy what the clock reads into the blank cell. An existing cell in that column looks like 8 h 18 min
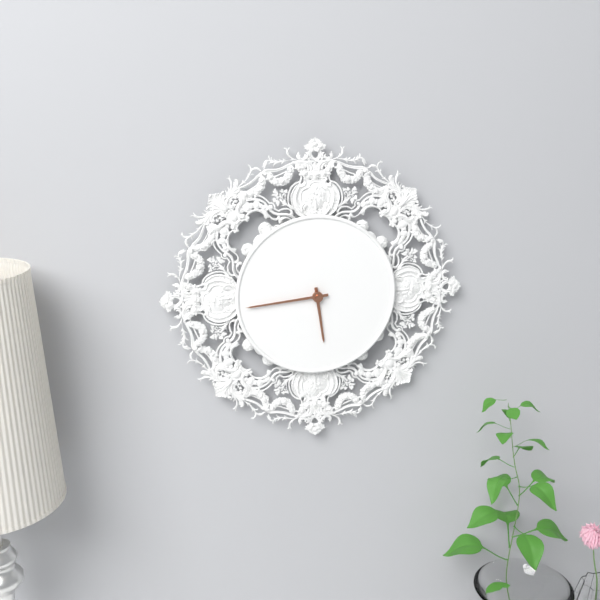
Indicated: 5 h 44 min
